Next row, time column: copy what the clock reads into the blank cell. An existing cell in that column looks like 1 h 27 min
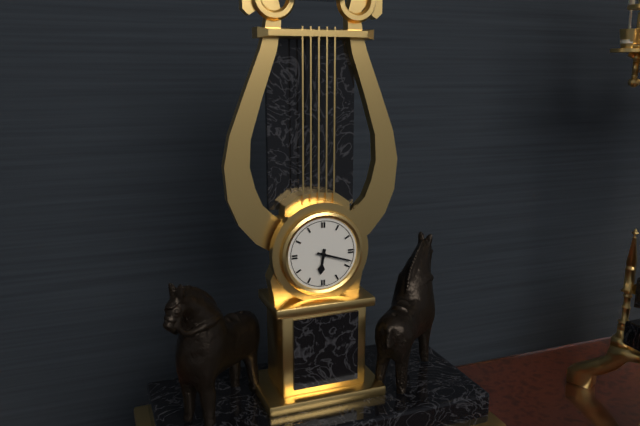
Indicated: 6 h 18 min
